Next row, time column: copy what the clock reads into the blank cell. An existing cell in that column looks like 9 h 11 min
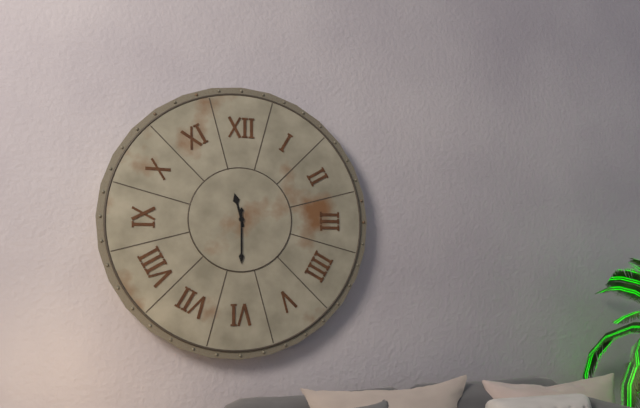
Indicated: 11 h 30 min
